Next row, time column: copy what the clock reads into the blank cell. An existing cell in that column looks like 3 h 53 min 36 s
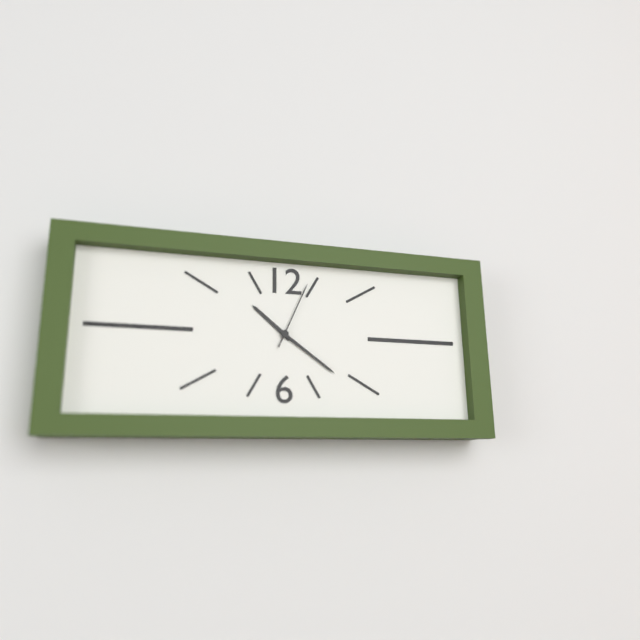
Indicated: 10 h 21 min 04 s
